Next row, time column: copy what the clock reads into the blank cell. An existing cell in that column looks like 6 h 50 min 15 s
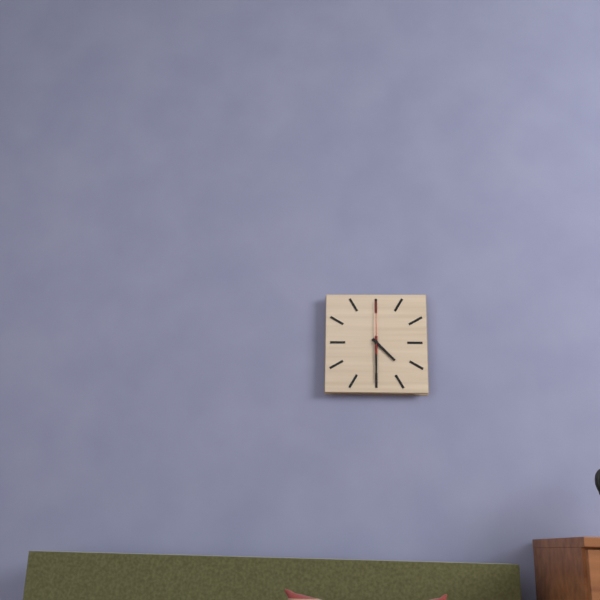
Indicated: 4 h 30 min 00 s
